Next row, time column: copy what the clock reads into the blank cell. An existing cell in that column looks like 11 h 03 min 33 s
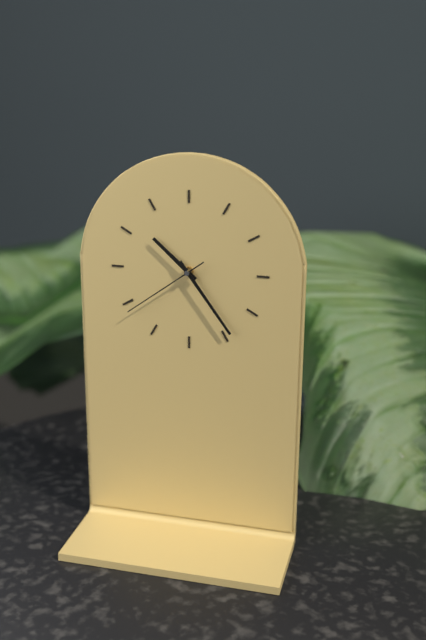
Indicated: 10 h 24 min 39 s
